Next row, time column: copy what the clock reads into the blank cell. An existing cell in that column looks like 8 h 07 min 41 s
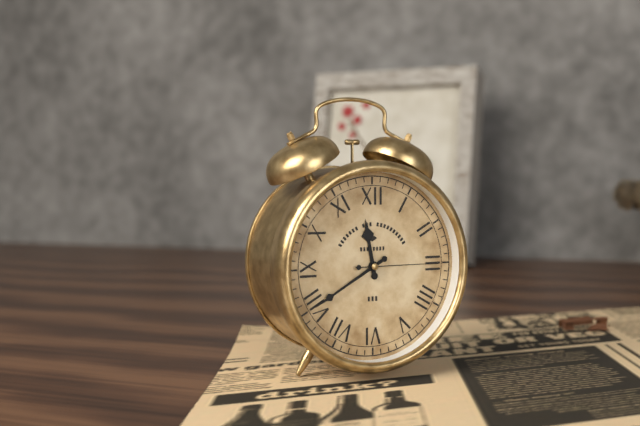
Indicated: 11 h 40 min 15 s
